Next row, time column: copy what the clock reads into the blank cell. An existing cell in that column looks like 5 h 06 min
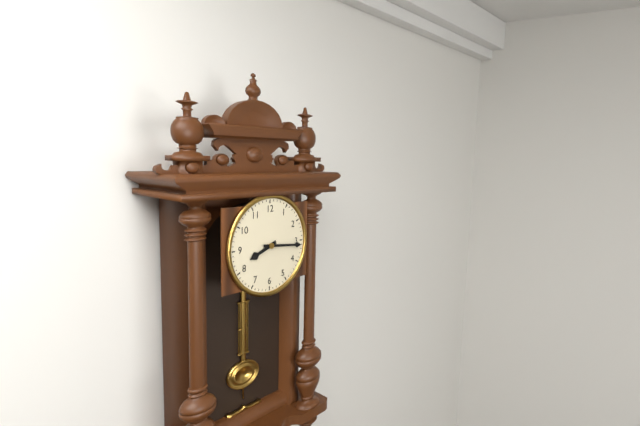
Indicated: 8 h 16 min
